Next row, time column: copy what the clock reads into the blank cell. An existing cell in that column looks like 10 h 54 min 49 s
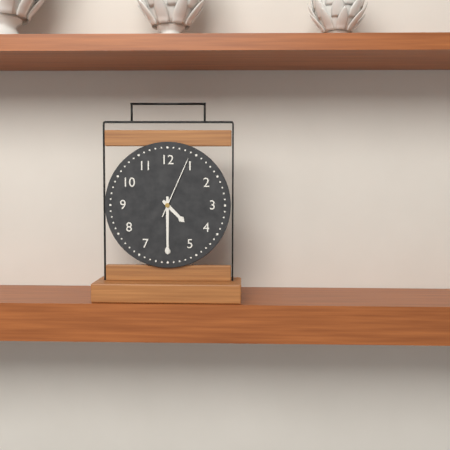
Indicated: 4 h 30 min 04 s
